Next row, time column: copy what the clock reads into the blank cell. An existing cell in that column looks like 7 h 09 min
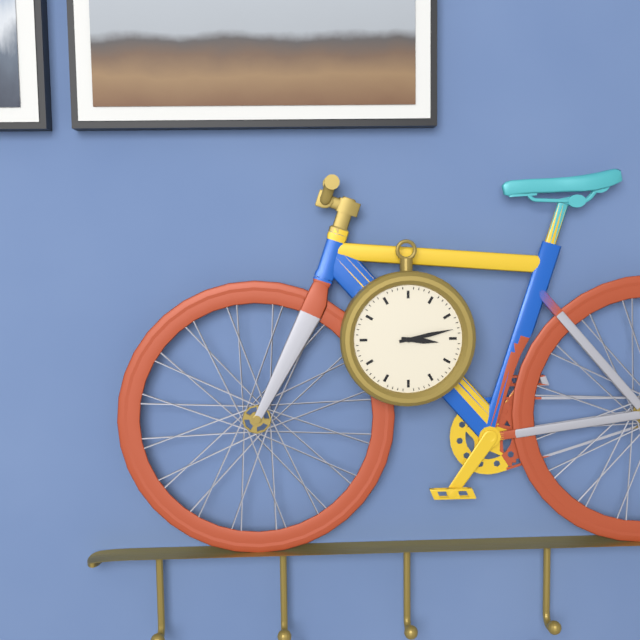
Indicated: 3 h 13 min
